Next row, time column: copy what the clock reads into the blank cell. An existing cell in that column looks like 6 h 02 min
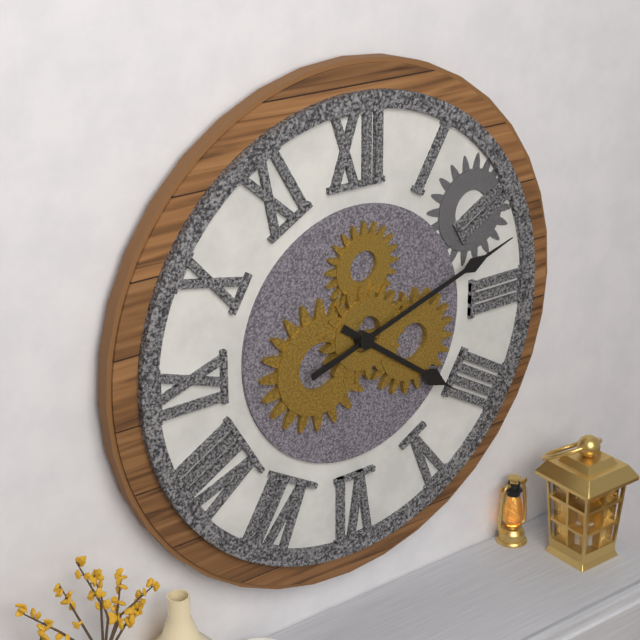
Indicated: 4 h 12 min
